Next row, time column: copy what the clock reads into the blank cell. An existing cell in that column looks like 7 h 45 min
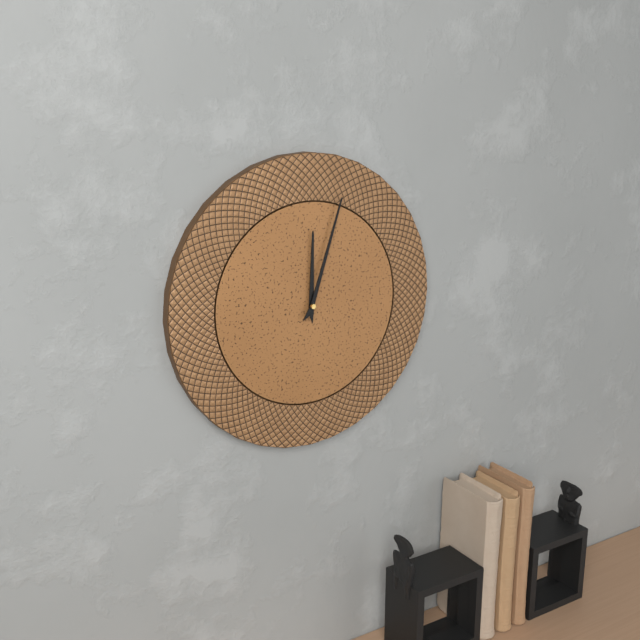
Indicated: 12 h 03 min
